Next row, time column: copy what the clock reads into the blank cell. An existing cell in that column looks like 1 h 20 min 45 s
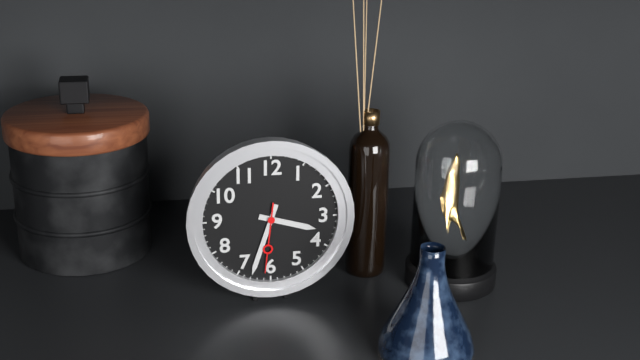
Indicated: 3 h 33 min 31 s
